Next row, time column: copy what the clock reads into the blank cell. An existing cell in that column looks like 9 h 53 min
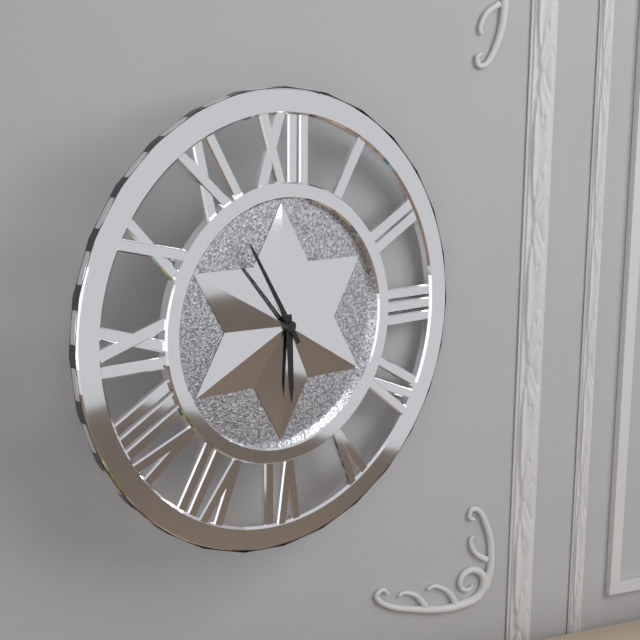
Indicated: 5 h 55 min
